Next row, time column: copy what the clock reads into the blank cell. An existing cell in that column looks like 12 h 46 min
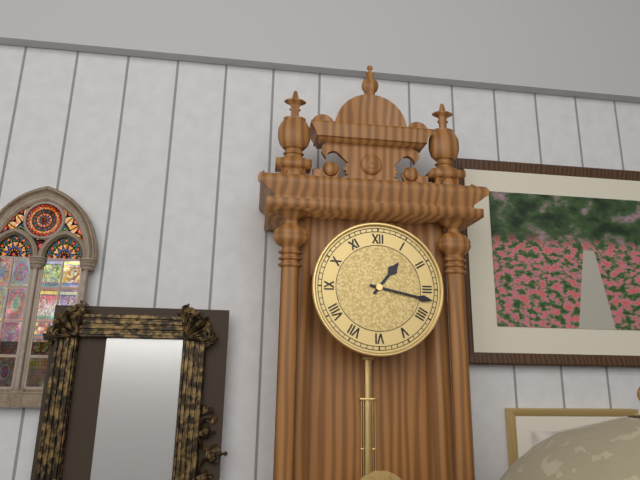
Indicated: 1 h 17 min
